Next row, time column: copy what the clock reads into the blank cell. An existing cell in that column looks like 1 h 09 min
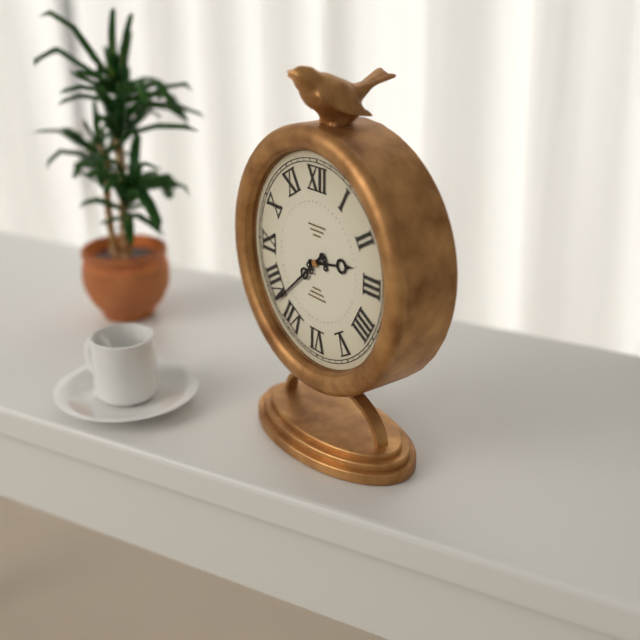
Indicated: 2 h 38 min
